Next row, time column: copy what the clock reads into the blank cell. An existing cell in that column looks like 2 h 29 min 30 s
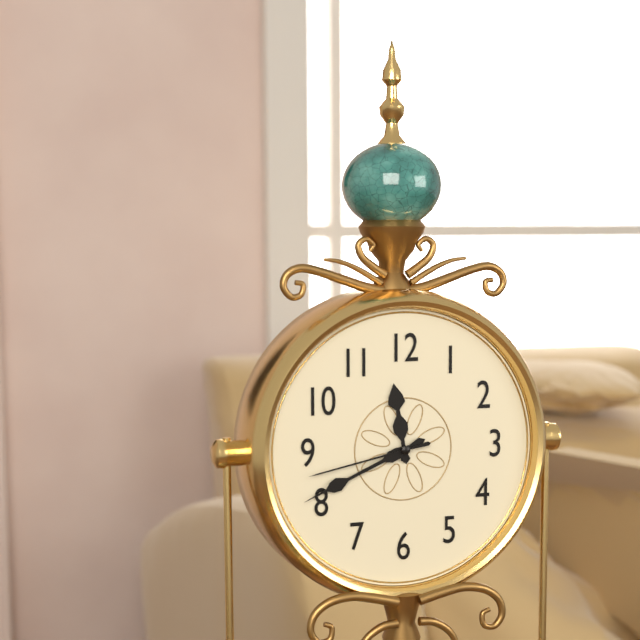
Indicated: 11 h 41 min 43 s
